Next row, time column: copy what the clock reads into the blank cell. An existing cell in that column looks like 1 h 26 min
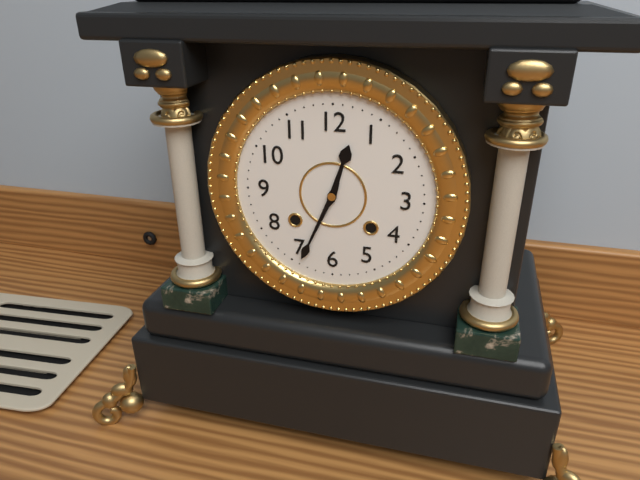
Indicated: 12 h 34 min
